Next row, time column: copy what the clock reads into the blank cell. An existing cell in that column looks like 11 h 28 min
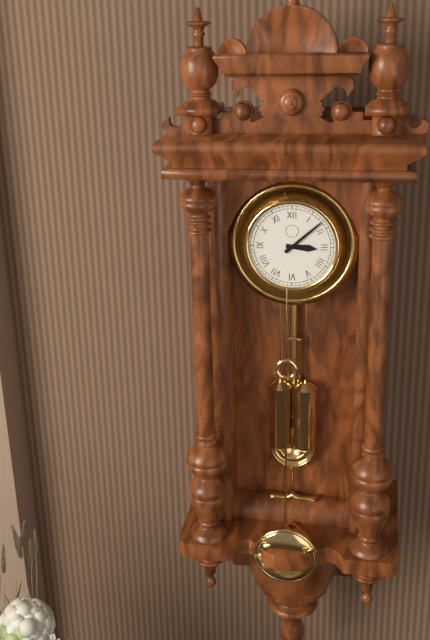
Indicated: 3 h 08 min
